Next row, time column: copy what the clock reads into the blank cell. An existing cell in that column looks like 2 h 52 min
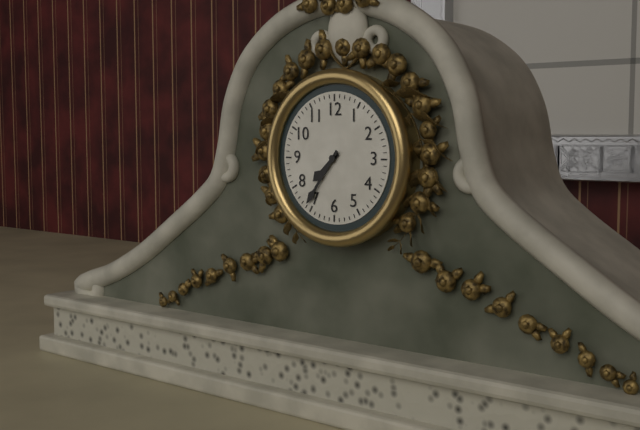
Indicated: 7 h 36 min
